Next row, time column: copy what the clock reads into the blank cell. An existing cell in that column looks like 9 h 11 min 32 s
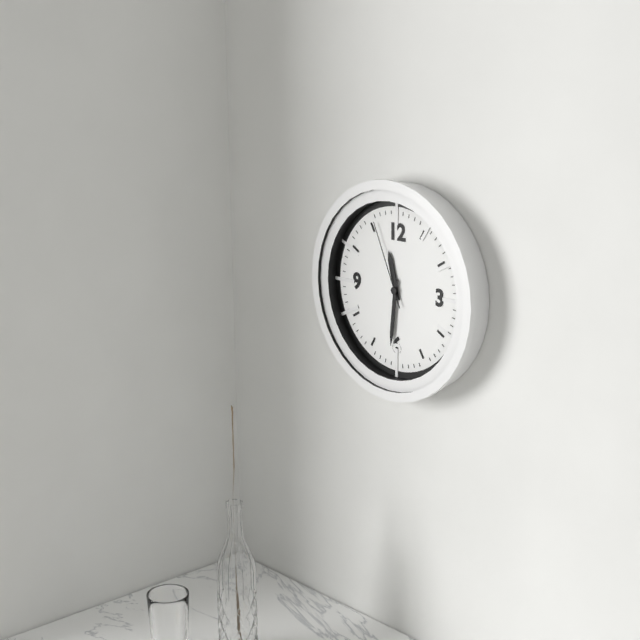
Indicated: 11 h 31 min 56 s
